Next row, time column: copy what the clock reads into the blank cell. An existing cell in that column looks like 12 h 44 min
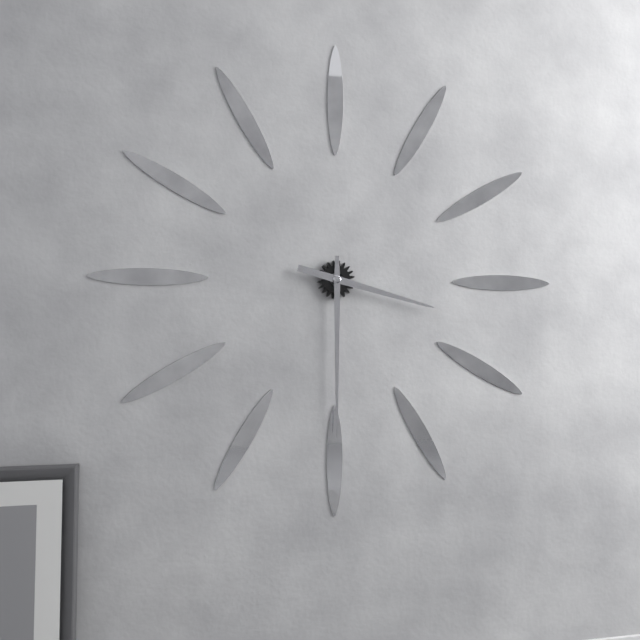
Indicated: 3 h 30 min
